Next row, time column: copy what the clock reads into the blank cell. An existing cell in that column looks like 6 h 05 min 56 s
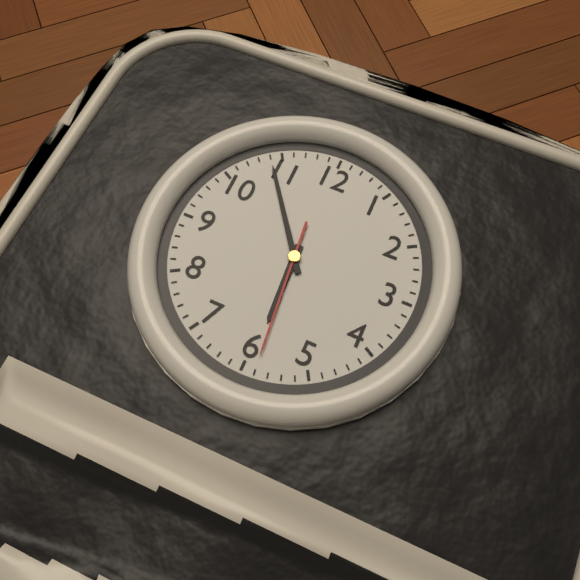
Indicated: 5 h 54 min 29 s
